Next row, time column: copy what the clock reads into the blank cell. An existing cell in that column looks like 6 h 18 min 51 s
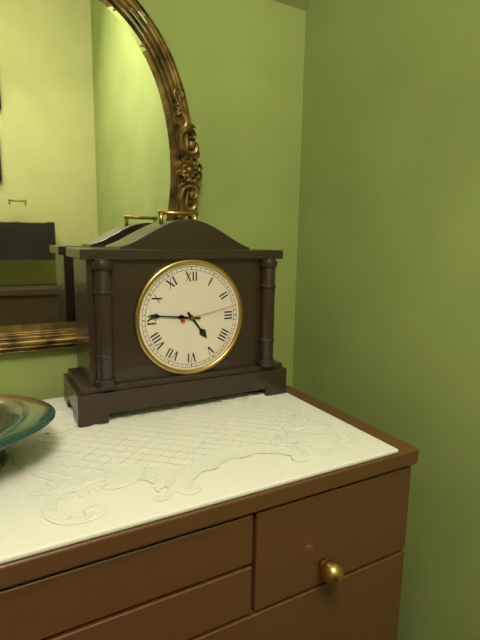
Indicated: 4 h 46 min 13 s
